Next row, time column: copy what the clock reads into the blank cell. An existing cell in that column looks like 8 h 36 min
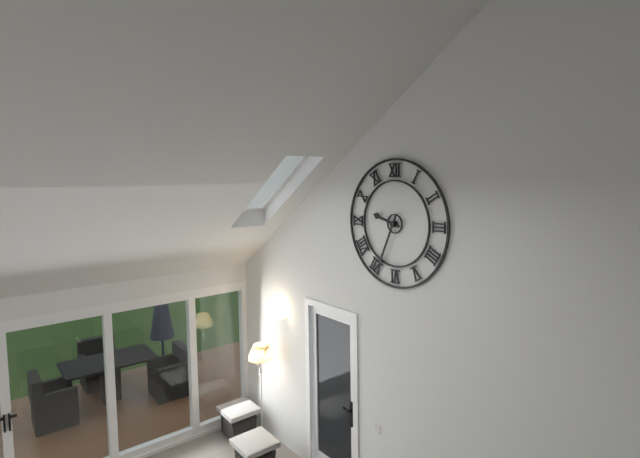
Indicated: 9 h 34 min
